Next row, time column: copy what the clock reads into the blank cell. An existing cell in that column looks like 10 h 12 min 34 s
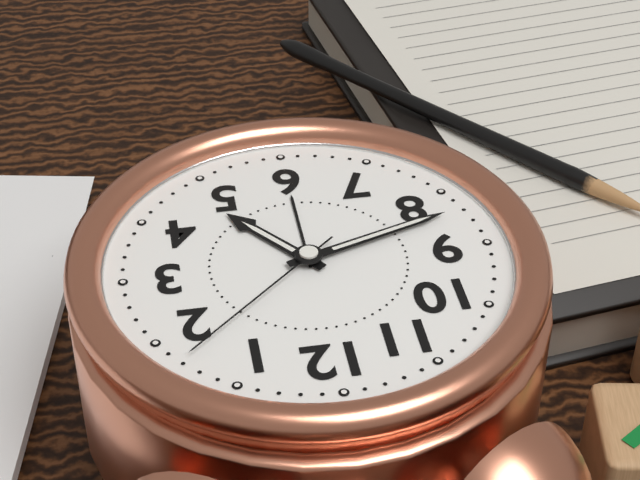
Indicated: 4 h 42 min 08 s
